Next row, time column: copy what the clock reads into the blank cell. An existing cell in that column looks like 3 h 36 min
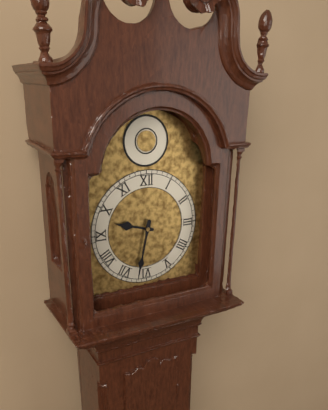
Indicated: 9 h 32 min
